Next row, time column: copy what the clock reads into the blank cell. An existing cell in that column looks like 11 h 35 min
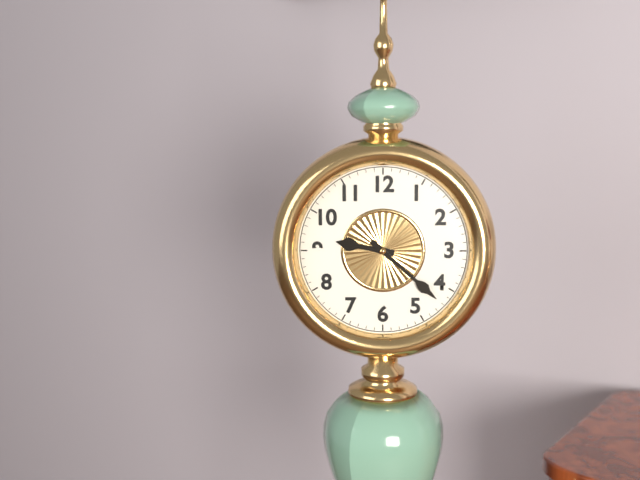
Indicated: 9 h 22 min
